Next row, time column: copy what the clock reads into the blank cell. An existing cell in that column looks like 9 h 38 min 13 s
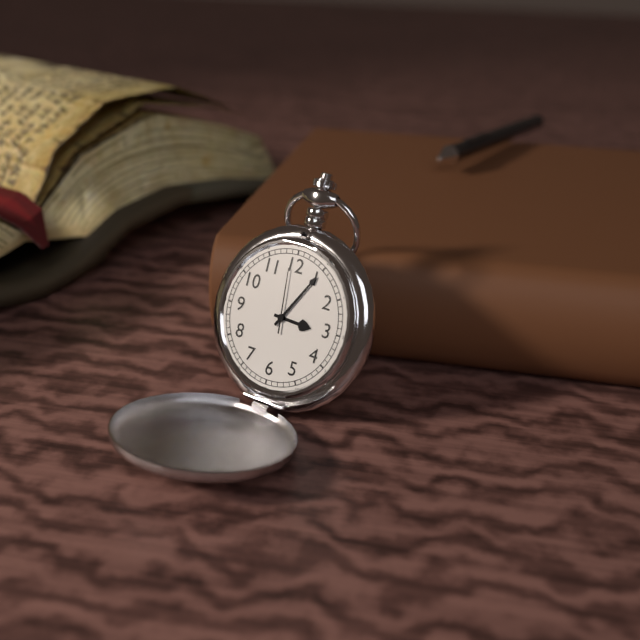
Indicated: 3 h 05 min 59 s
